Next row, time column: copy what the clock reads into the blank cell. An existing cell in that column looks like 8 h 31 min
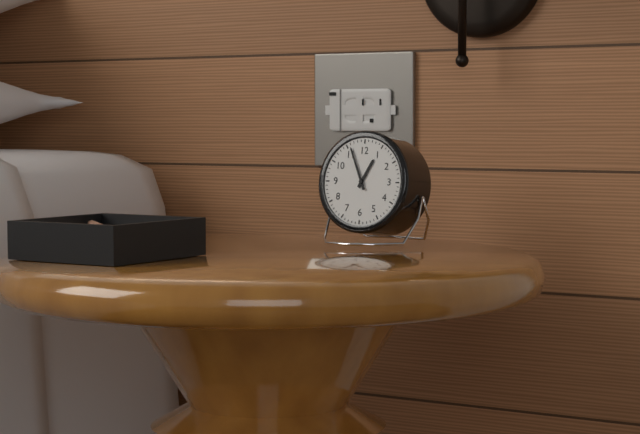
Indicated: 12 h 56 min
